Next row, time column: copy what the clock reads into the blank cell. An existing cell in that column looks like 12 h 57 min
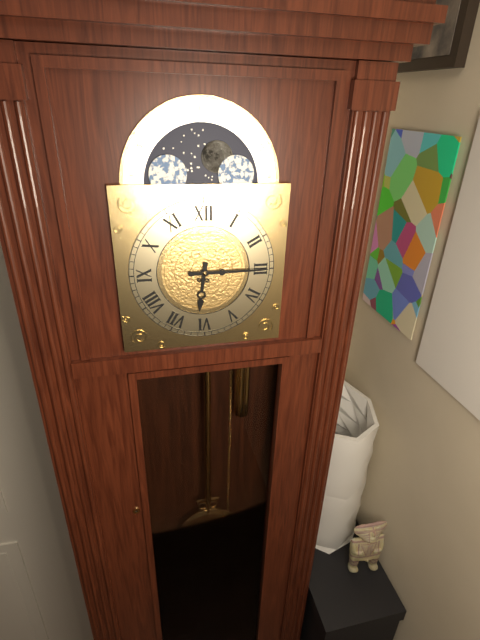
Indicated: 6 h 15 min
